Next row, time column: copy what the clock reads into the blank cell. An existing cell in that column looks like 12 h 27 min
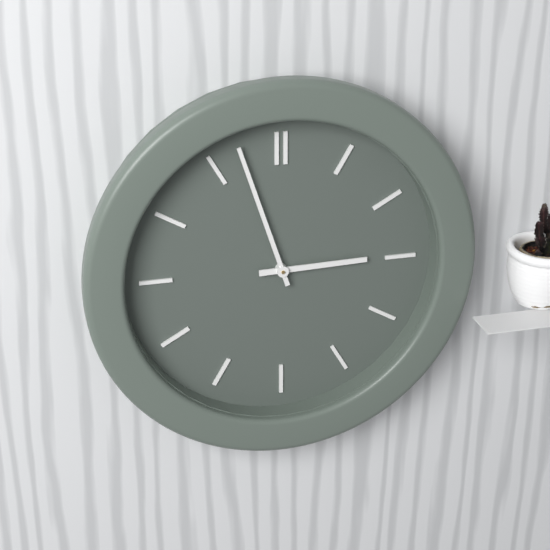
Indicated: 2 h 57 min
